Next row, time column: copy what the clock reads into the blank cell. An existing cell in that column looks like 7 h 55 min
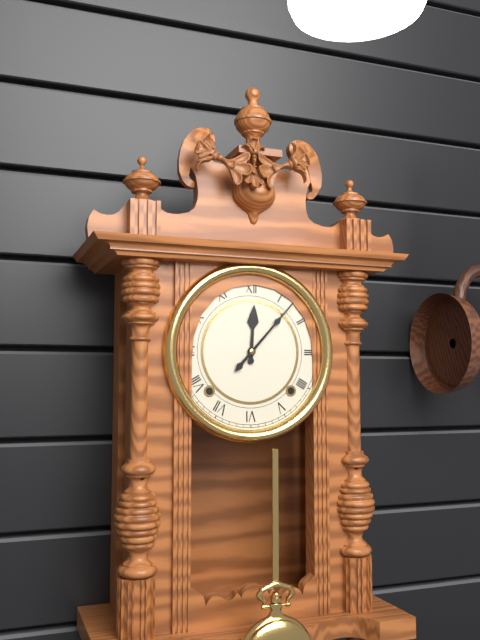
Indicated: 12 h 07 min
